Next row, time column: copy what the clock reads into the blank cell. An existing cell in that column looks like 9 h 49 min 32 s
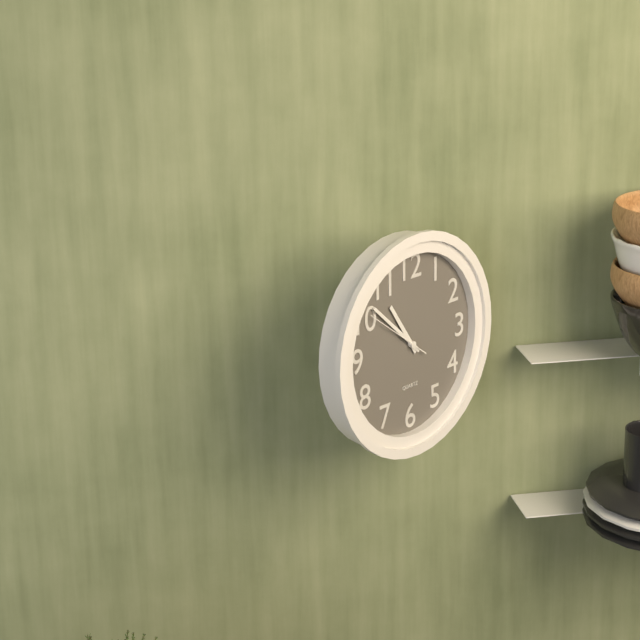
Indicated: 10 h 52 min 51 s
